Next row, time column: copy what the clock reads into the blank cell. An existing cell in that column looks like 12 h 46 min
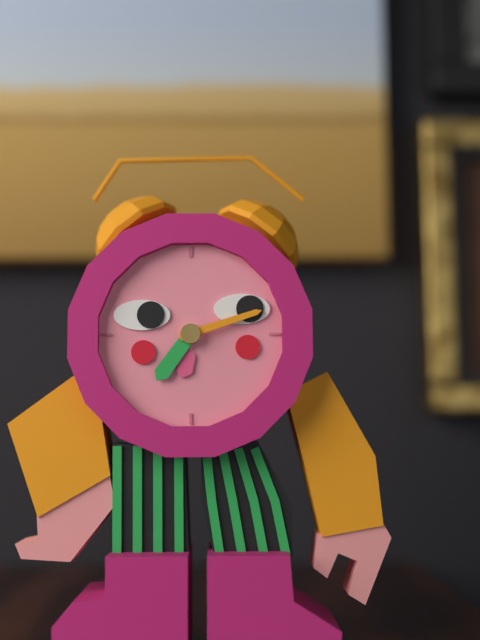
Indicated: 7 h 12 min
